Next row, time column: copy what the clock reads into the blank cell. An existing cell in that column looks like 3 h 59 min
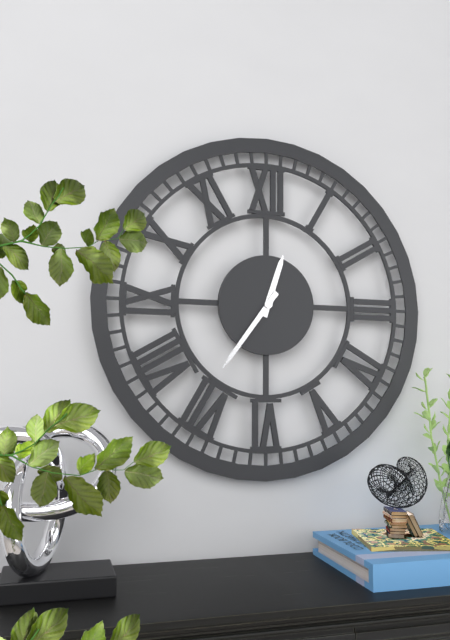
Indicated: 12 h 36 min
